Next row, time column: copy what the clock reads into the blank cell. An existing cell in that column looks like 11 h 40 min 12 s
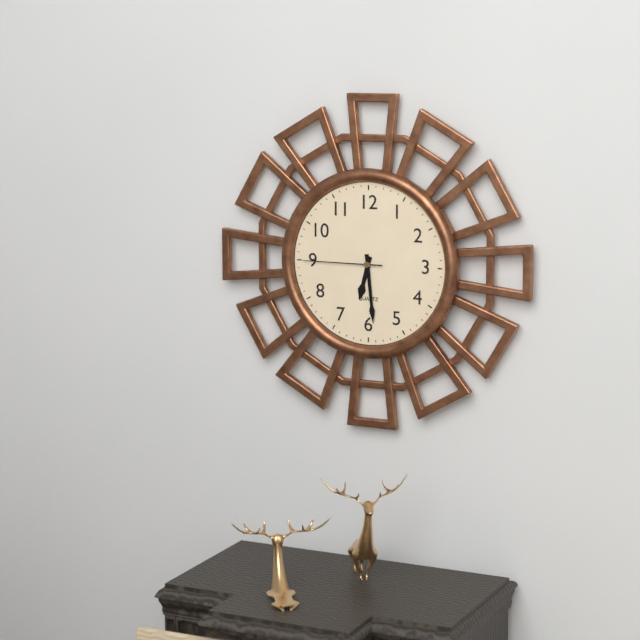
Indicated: 6 h 29 min 45 s
